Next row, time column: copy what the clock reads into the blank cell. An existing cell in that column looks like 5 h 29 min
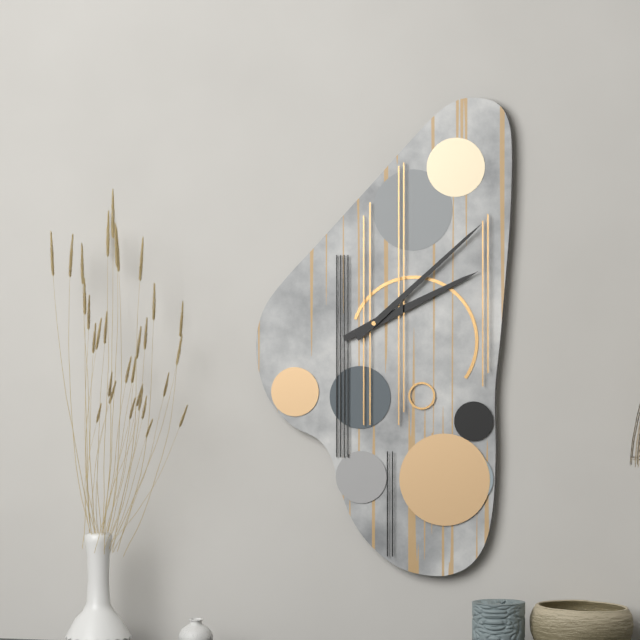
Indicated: 2 h 08 min
